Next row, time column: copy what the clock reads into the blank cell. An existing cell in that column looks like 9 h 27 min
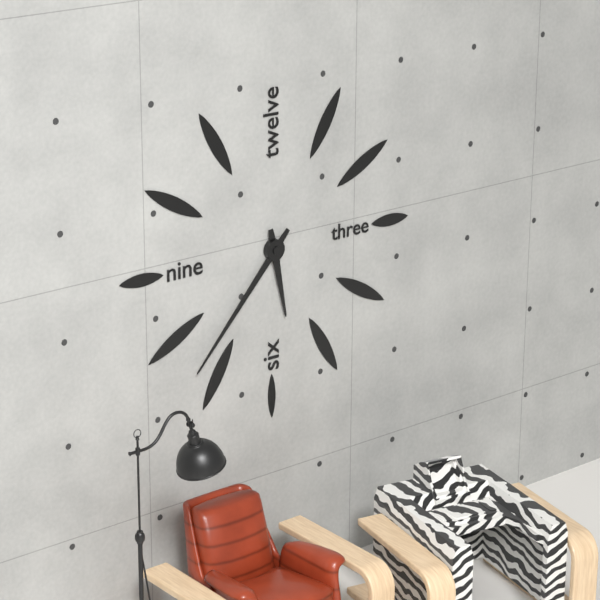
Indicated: 5 h 37 min
